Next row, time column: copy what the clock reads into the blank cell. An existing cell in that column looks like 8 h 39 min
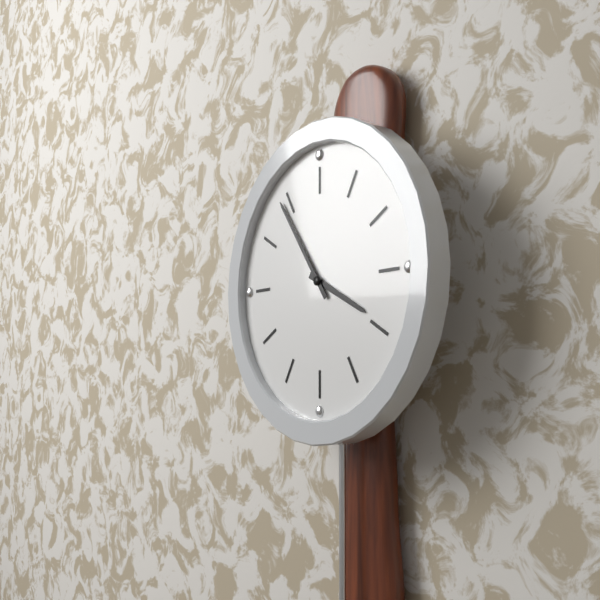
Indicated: 3 h 54 min
